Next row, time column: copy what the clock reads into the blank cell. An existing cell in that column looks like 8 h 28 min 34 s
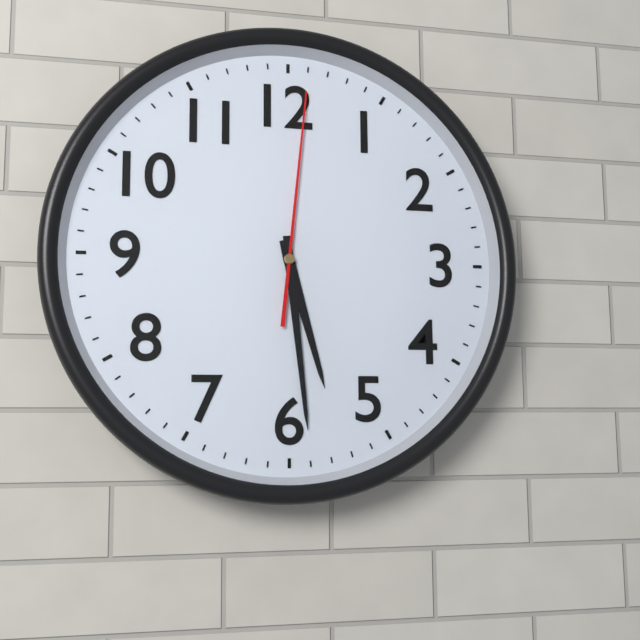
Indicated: 5 h 29 min 01 s
